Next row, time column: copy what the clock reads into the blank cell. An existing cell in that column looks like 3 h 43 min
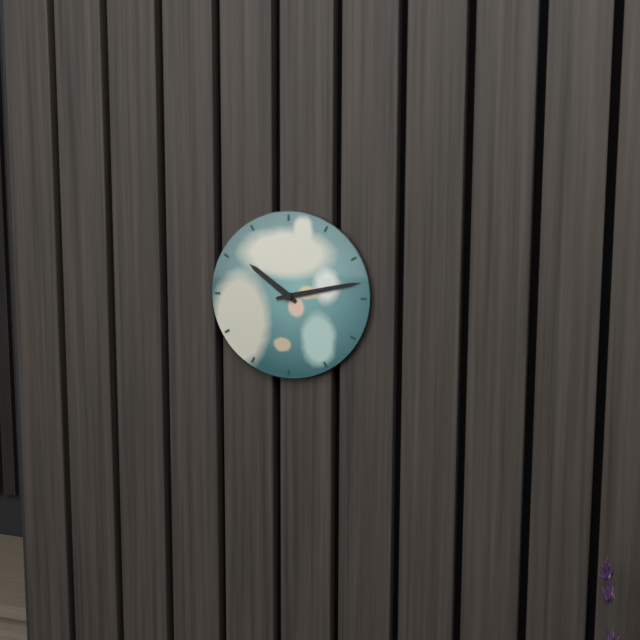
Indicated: 10 h 13 min
